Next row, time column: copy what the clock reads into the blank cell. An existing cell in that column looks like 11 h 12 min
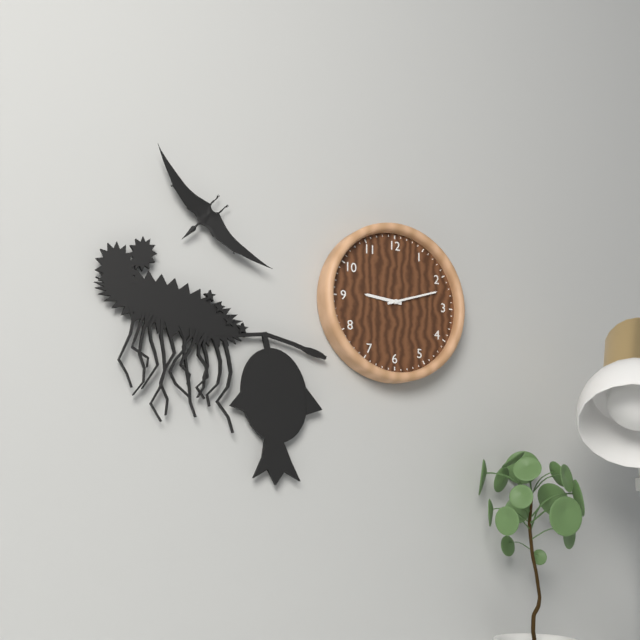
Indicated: 9 h 12 min
